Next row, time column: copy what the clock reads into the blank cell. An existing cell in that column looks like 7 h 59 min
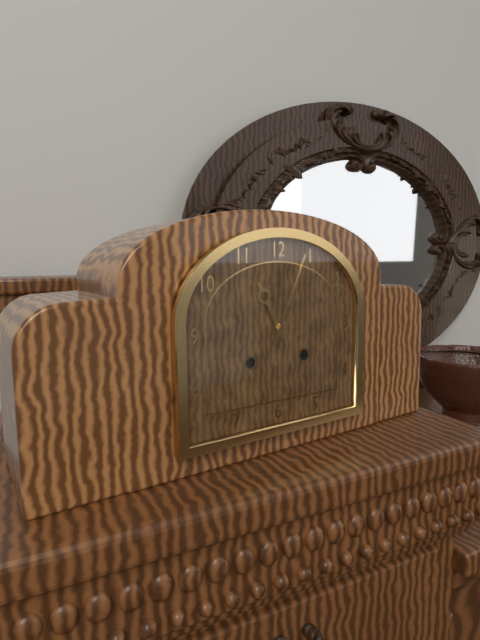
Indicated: 11 h 04 min
